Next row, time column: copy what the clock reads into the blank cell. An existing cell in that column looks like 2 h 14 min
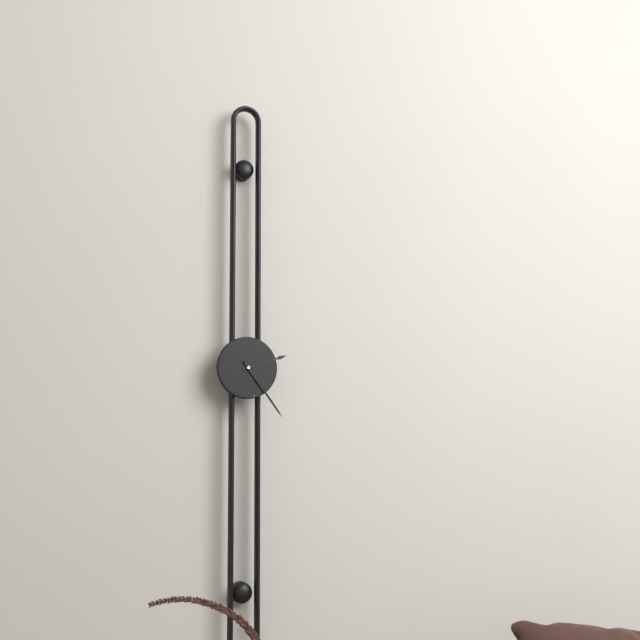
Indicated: 2 h 24 min
